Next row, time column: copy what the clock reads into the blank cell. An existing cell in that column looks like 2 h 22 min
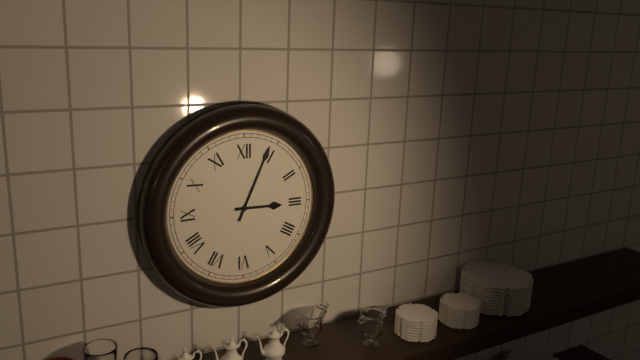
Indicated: 3 h 04 min
